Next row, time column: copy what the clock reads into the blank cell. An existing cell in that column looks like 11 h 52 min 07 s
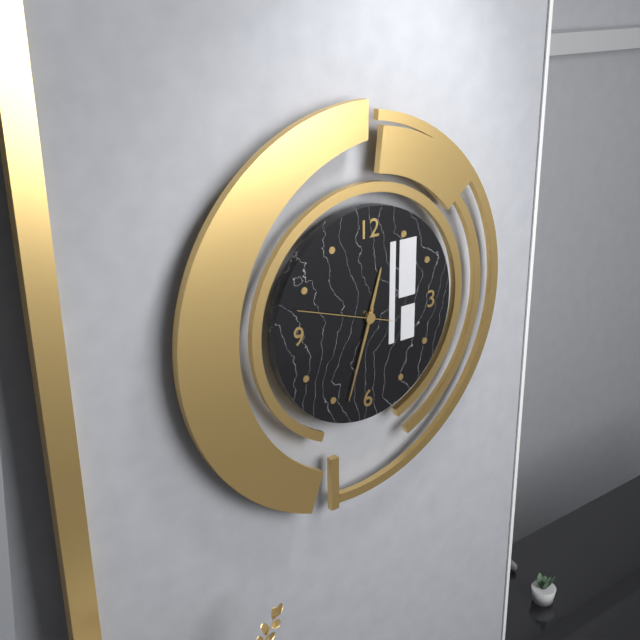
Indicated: 12 h 33 min 48 s
